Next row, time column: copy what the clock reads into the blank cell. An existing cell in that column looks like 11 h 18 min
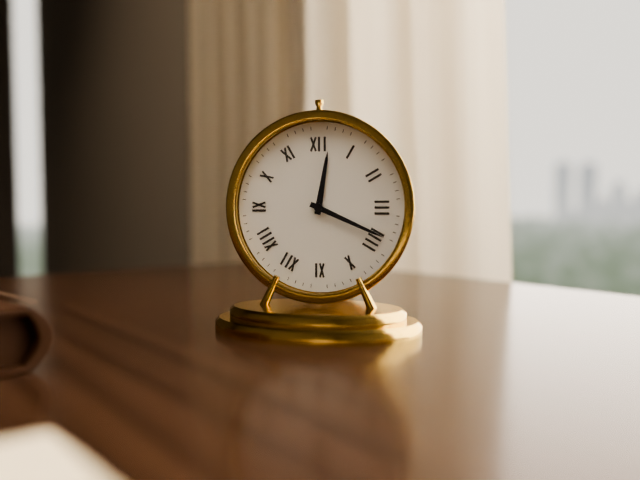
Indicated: 12 h 19 min
